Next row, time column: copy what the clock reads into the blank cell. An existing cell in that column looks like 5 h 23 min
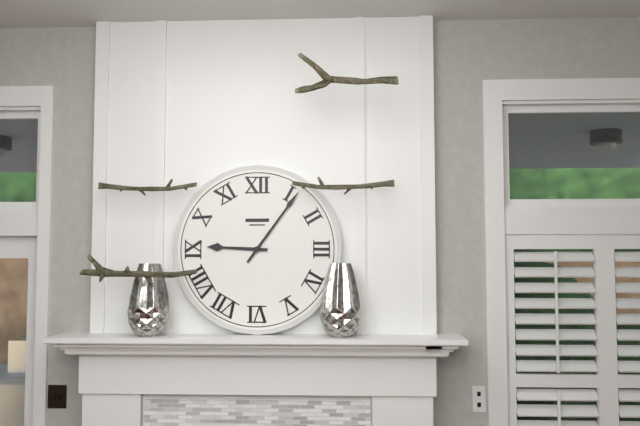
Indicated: 9 h 06 min
